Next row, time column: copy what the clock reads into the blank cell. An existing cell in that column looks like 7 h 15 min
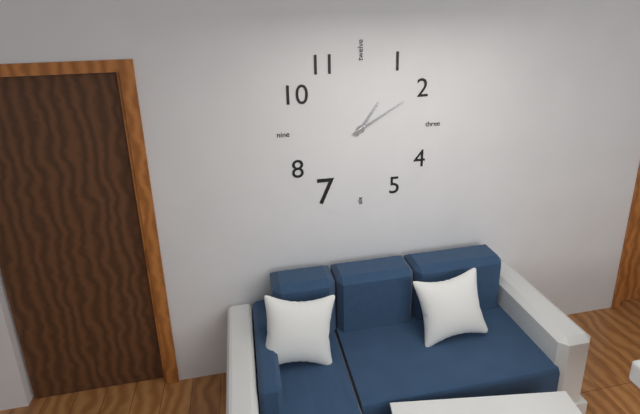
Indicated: 1 h 10 min
